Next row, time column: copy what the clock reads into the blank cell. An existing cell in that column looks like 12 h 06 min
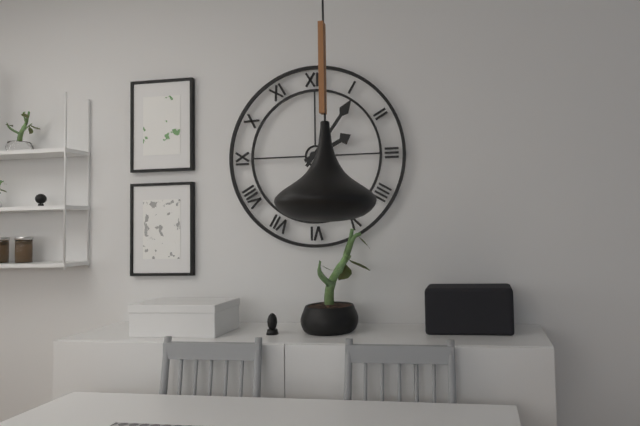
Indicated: 2 h 06 min
